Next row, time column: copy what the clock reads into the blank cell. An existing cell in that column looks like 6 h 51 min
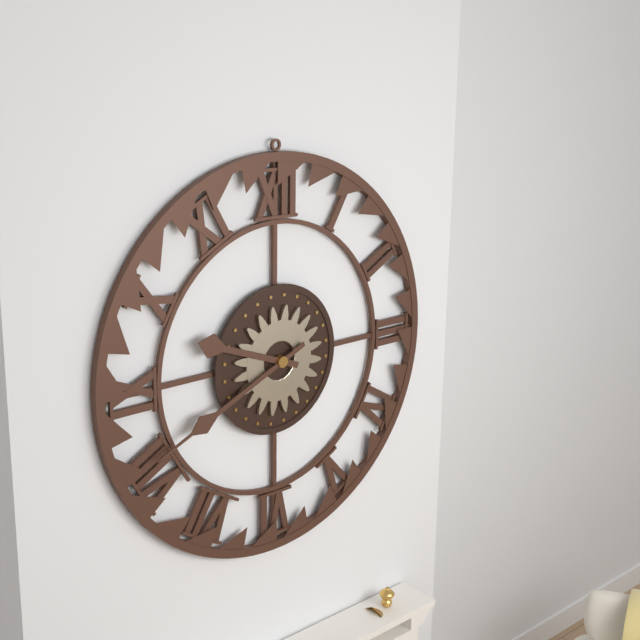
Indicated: 9 h 41 min
